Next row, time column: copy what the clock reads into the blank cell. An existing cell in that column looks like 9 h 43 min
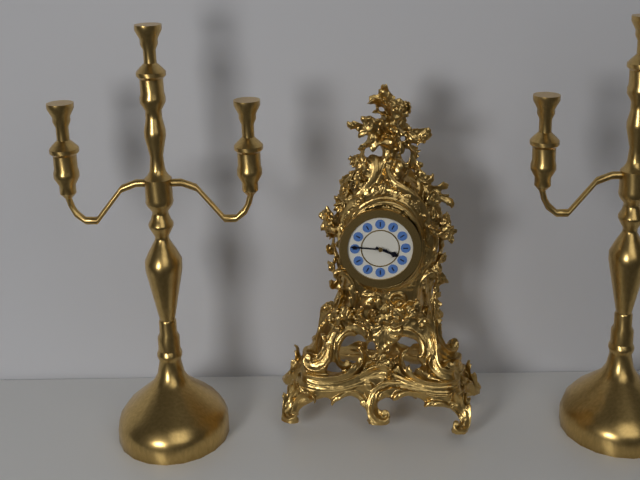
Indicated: 3 h 46 min
